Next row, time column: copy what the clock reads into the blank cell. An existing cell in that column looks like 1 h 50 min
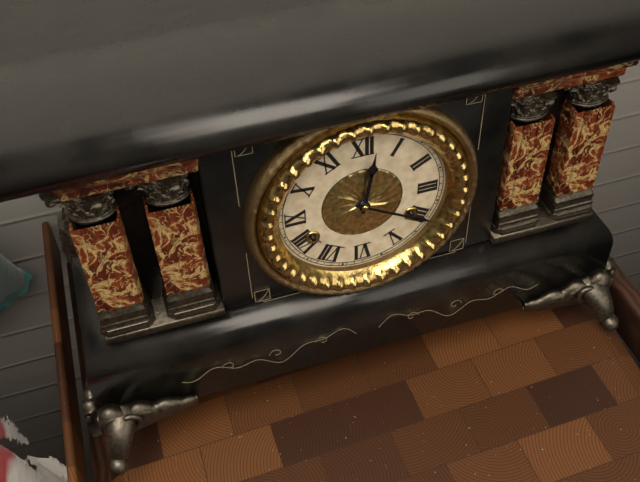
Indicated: 12 h 20 min
